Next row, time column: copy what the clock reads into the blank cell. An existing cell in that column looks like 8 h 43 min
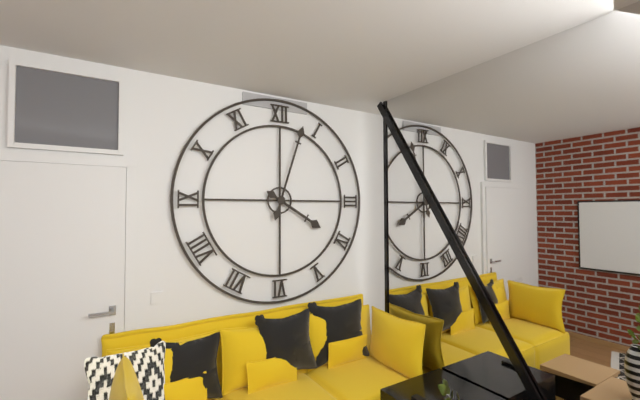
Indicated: 4 h 03 min
